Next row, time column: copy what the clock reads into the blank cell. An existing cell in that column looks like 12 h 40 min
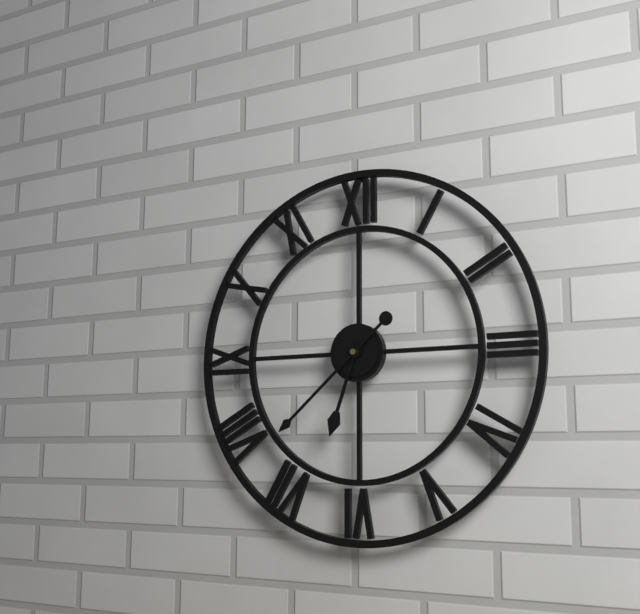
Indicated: 6 h 38 min
